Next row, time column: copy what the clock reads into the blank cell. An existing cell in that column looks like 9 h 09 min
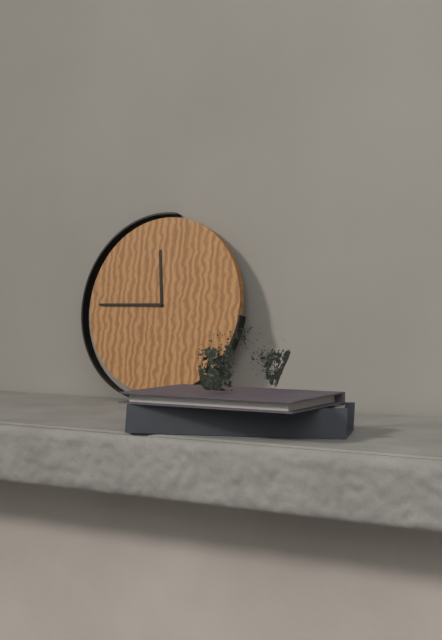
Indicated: 11 h 45 min
